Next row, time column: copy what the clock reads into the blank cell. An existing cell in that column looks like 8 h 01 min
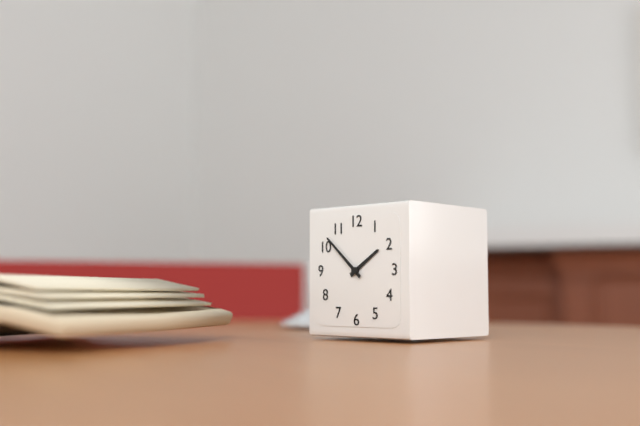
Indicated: 1 h 52 min
